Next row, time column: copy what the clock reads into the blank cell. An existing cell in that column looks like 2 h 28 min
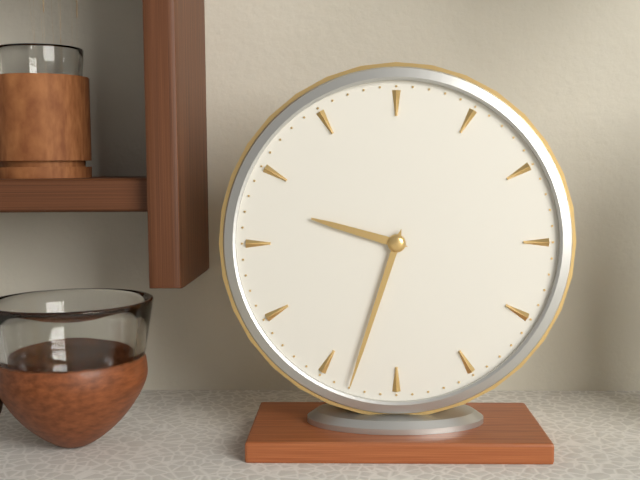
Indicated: 9 h 33 min
